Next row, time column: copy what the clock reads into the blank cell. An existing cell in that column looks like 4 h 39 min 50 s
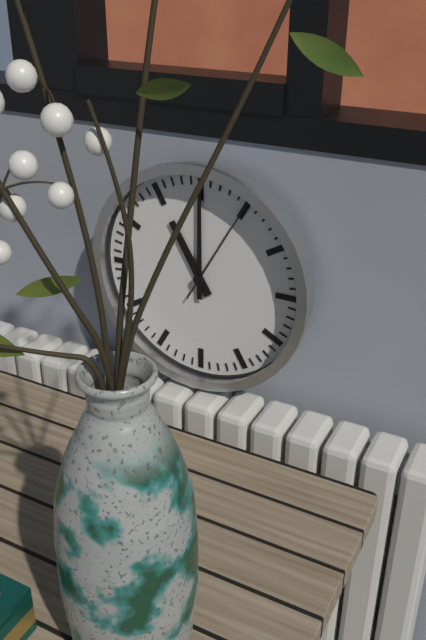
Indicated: 11 h 00 min 05 s
